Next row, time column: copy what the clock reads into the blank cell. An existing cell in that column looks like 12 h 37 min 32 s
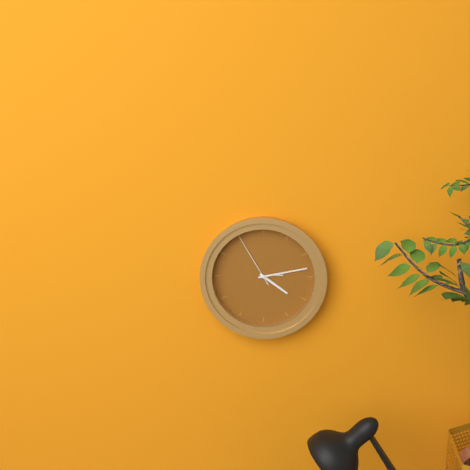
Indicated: 4 h 13 min 55 s
